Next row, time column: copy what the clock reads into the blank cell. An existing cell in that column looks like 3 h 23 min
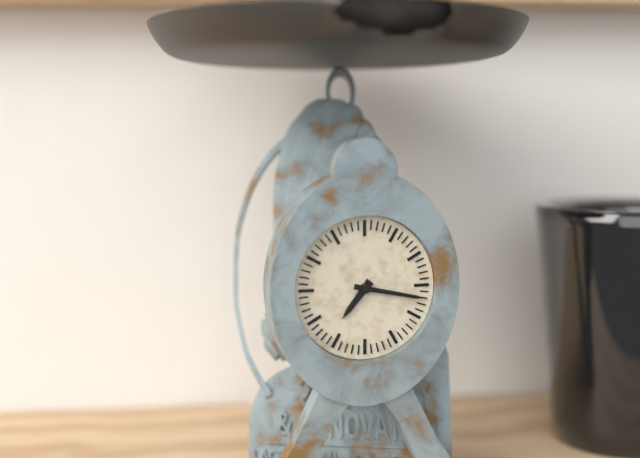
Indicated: 7 h 17 min
